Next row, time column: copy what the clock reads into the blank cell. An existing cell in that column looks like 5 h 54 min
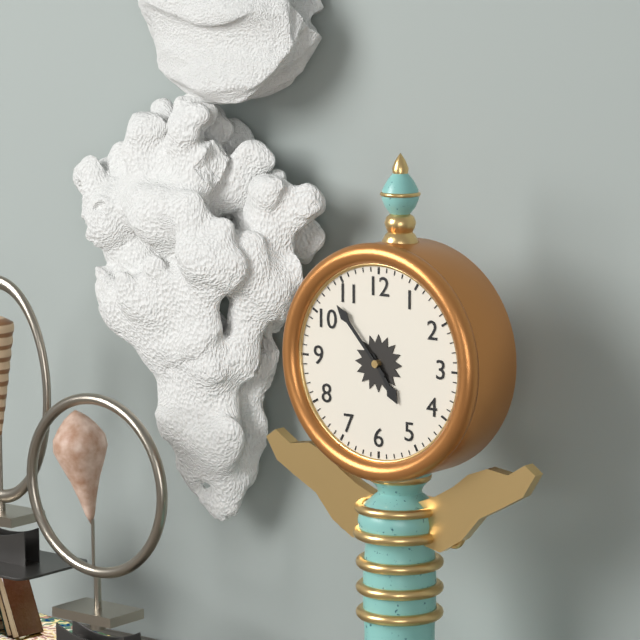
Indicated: 4 h 53 min
